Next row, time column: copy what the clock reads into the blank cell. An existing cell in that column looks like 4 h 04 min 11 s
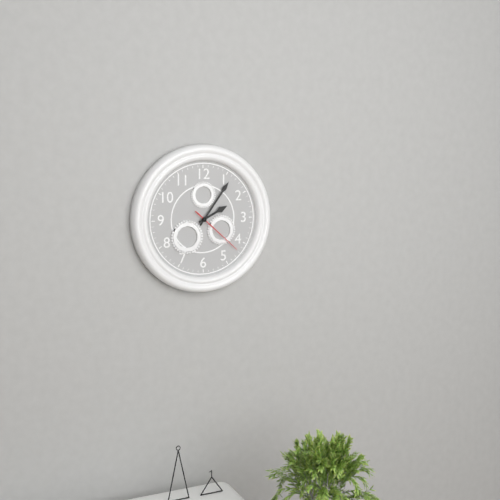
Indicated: 2 h 06 min 22 s
